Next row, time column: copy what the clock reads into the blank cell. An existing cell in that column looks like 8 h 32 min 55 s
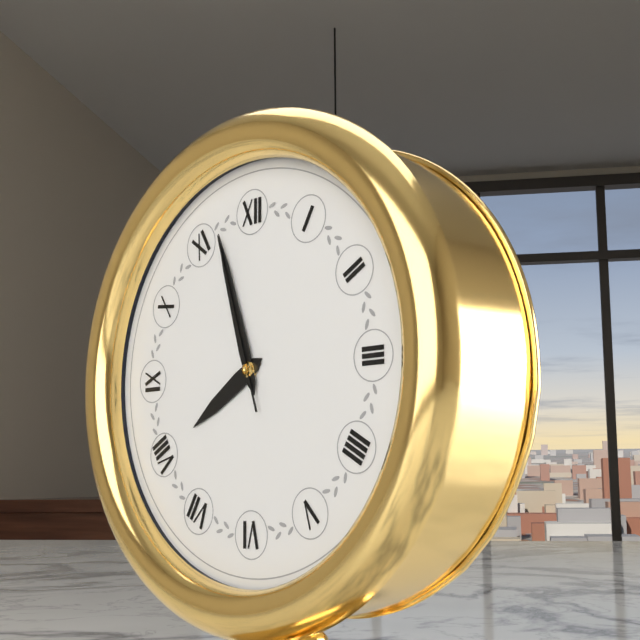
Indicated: 7 h 57 min 57 s
